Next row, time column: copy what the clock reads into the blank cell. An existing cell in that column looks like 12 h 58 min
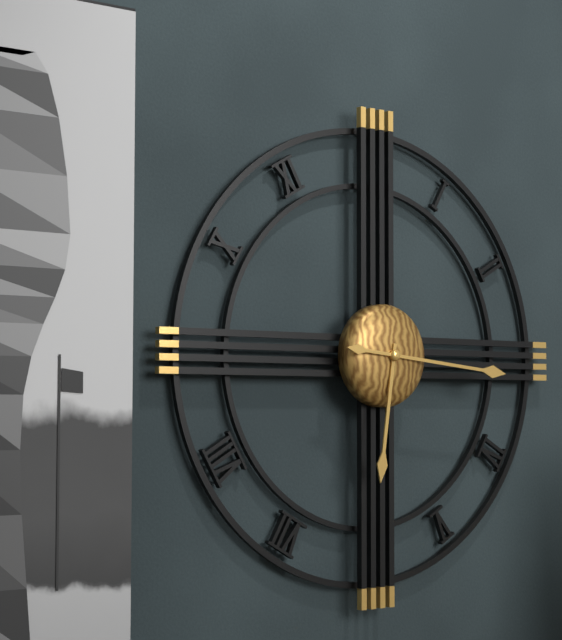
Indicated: 6 h 16 min
